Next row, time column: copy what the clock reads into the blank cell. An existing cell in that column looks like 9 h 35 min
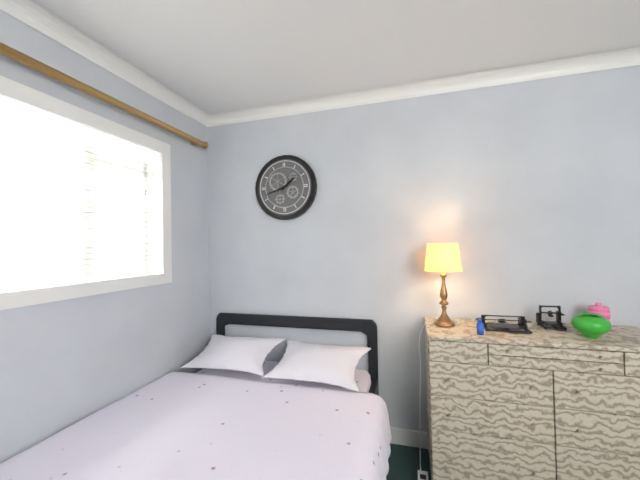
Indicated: 1 h 42 min
